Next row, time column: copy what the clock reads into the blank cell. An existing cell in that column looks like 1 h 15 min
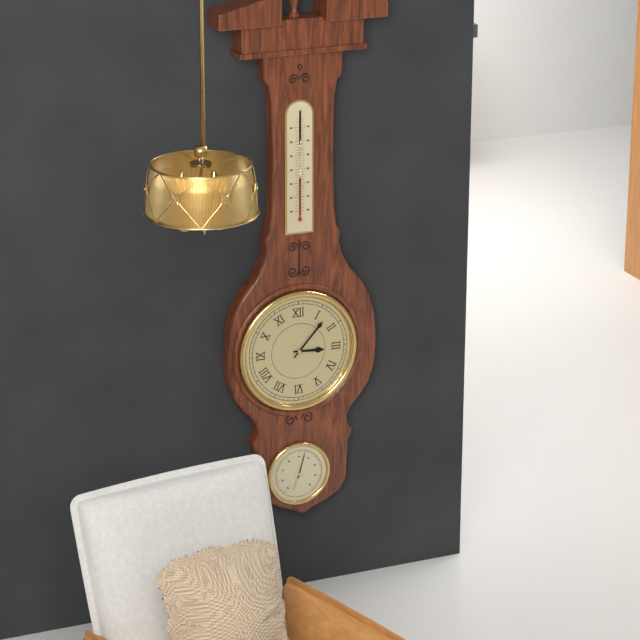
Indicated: 3 h 07 min
